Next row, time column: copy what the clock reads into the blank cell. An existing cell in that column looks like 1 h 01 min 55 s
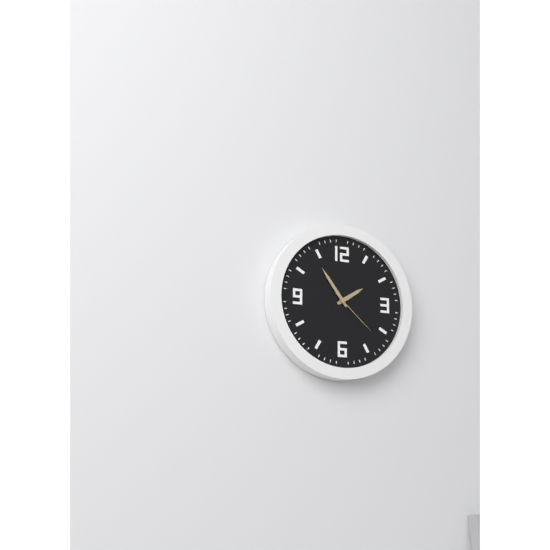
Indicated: 1 h 54 min 22 s
